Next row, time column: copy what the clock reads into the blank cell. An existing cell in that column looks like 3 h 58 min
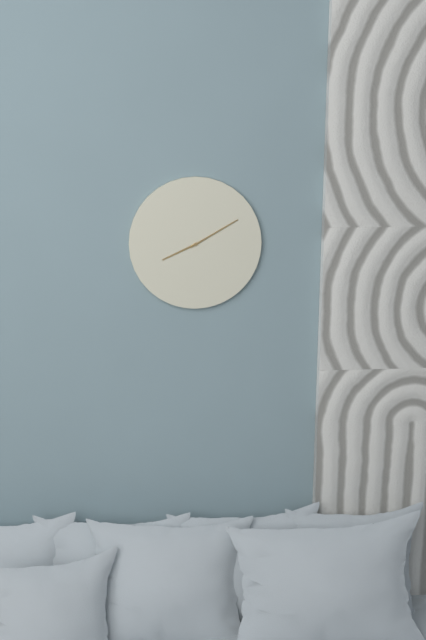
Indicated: 8 h 10 min
